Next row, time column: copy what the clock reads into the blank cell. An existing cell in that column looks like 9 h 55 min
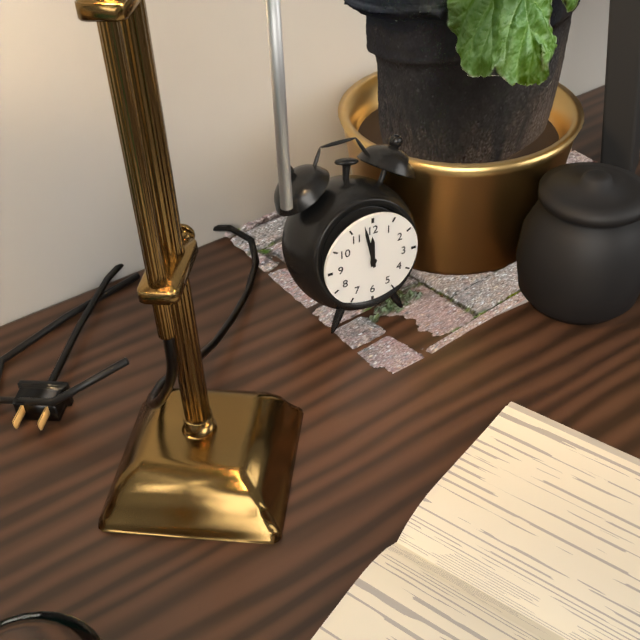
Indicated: 11 h 58 min
